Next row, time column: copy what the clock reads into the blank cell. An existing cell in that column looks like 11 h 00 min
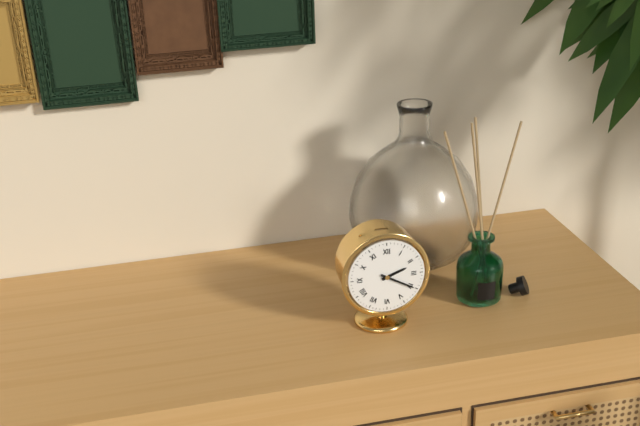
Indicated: 2 h 20 min
